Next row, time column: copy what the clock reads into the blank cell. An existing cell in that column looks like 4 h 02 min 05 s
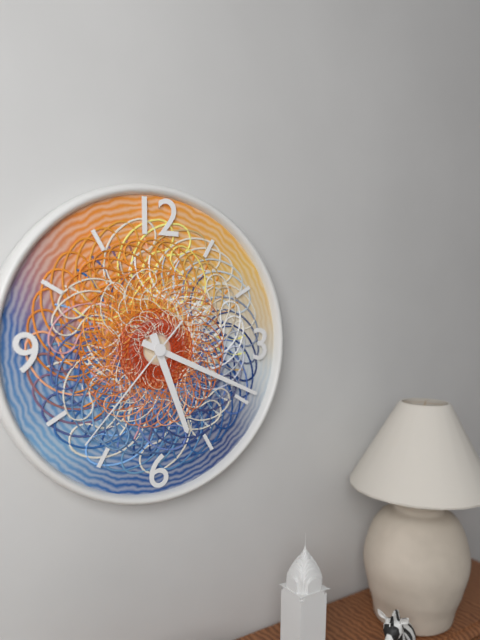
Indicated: 5 h 19 min 37 s
